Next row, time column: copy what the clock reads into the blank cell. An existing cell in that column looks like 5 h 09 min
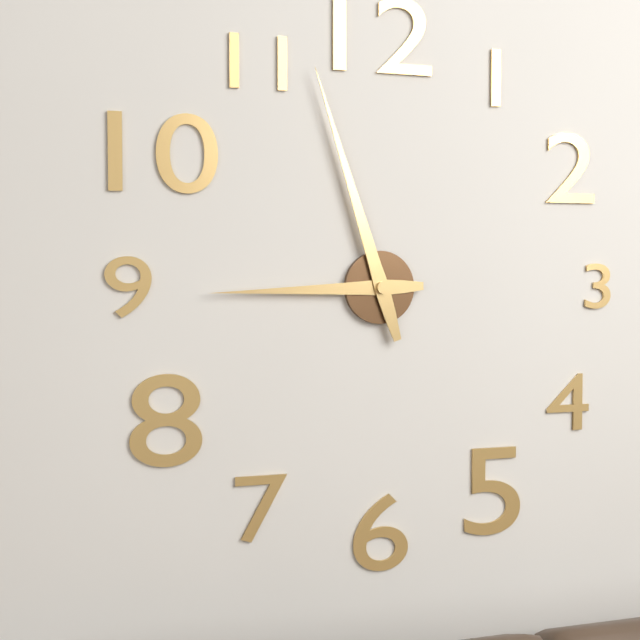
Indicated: 8 h 57 min
